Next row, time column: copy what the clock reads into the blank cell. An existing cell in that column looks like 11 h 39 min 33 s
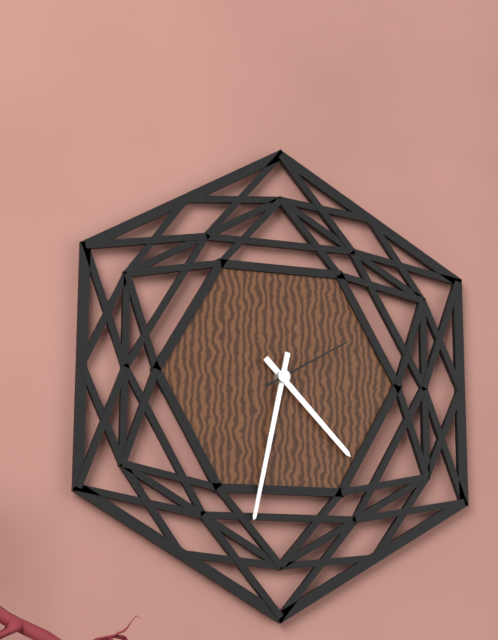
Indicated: 4 h 32 min 10 s
